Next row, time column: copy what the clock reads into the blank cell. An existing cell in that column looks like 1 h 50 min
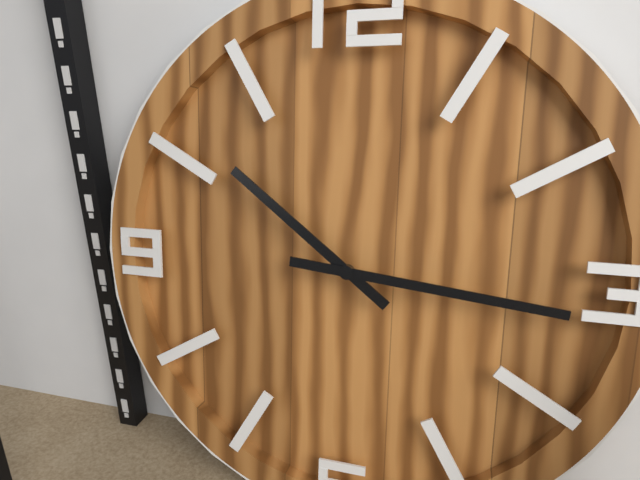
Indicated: 10 h 16 min
